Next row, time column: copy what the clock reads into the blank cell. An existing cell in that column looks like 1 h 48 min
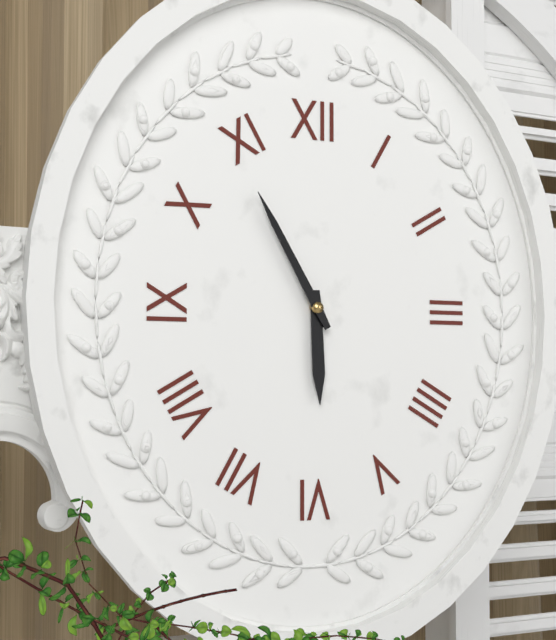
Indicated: 5 h 55 min
